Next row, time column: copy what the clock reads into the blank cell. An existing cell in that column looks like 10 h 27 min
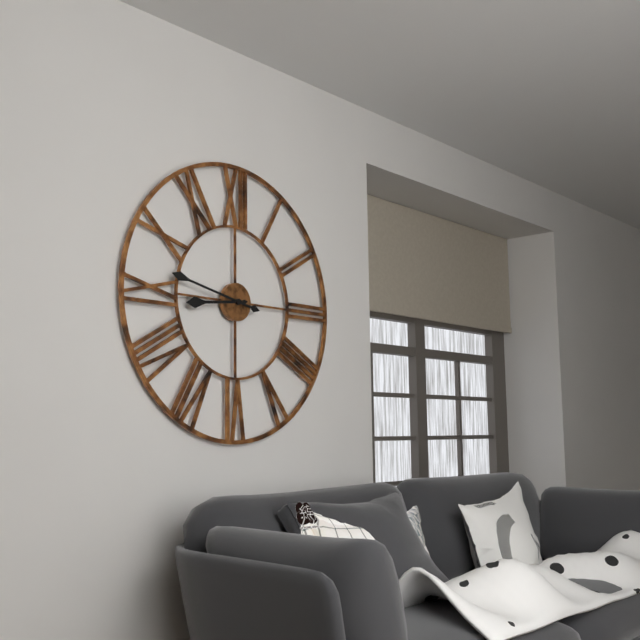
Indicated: 8 h 47 min
